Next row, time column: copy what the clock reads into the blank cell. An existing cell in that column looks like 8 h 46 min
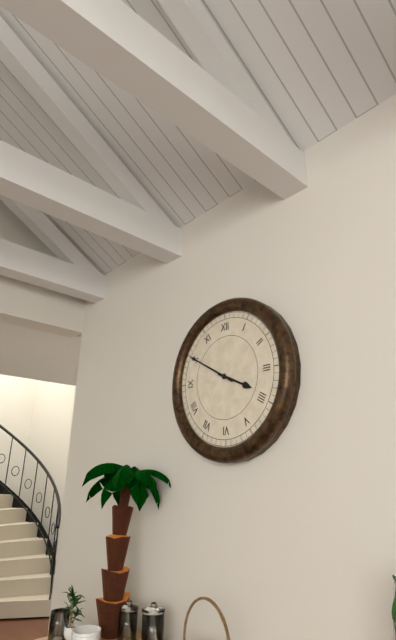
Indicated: 3 h 50 min
